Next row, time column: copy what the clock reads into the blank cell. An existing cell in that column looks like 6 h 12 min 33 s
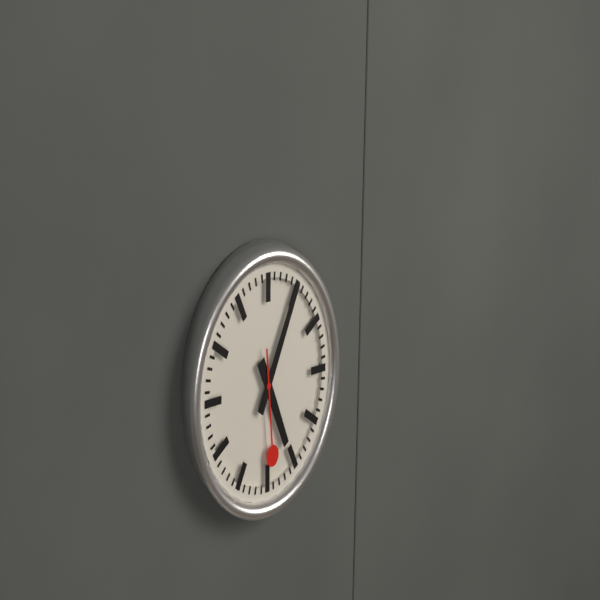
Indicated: 5 h 05 min 29 s
